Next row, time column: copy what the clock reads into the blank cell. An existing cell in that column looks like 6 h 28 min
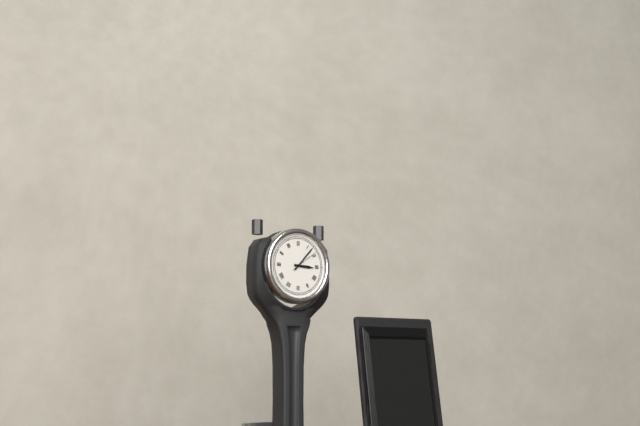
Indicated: 3 h 07 min
